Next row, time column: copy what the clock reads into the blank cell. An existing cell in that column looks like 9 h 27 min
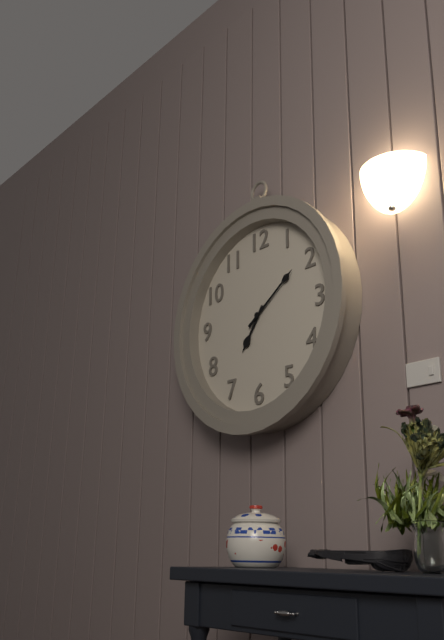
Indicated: 7 h 09 min
